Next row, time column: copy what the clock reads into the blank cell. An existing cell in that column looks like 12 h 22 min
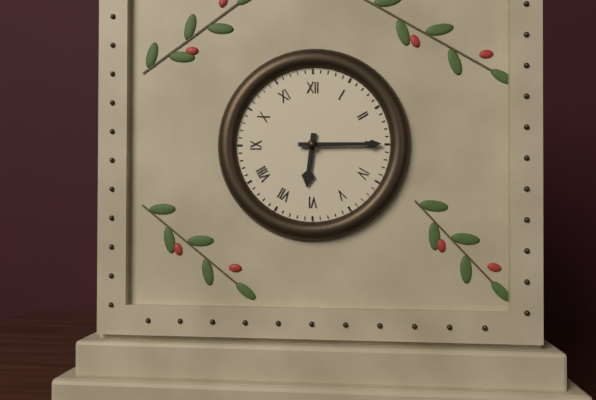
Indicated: 6 h 15 min
